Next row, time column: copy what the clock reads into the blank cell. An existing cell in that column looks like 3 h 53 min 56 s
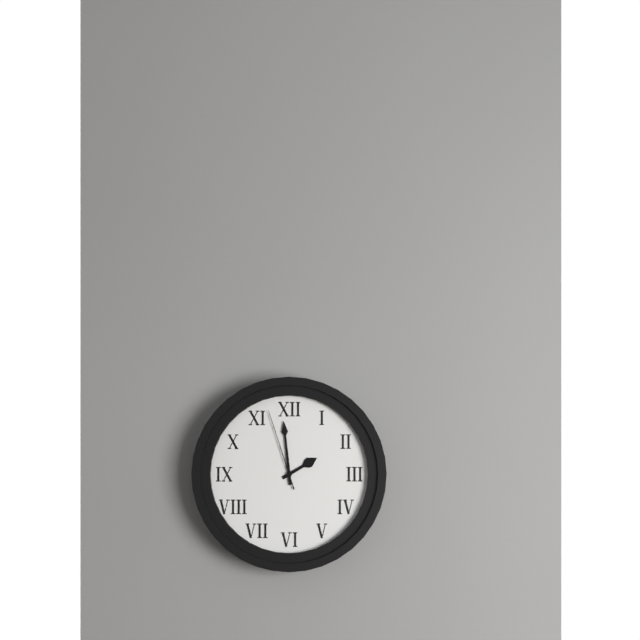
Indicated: 1 h 59 min 57 s
